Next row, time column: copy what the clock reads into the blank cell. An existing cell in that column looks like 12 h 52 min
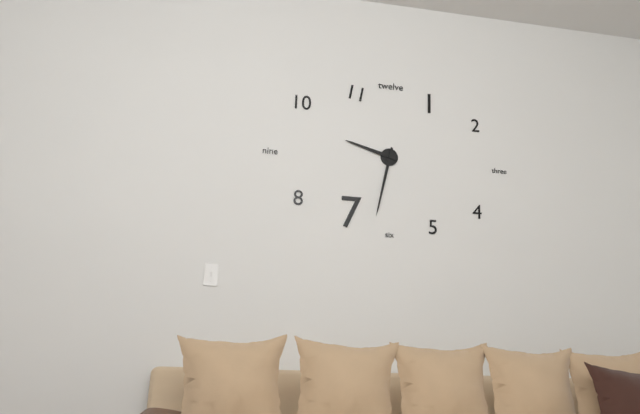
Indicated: 9 h 32 min
